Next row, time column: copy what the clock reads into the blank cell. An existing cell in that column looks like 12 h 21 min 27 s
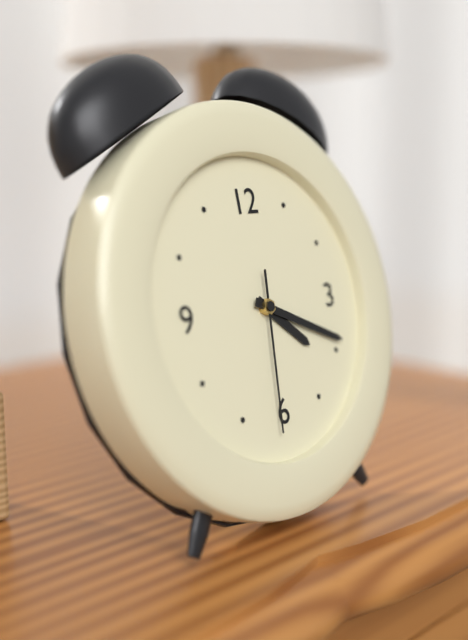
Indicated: 4 h 19 min 31 s
